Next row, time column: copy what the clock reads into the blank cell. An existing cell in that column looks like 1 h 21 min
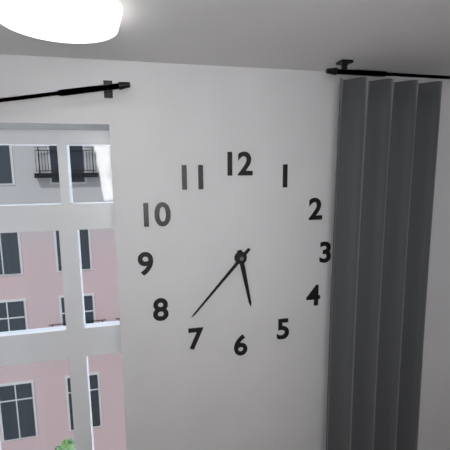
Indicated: 5 h 37 min
